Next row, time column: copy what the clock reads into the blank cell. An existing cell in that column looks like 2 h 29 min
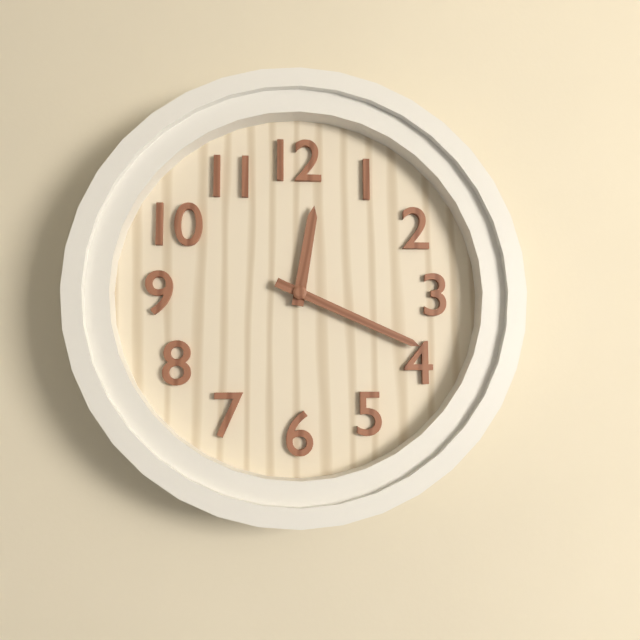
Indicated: 12 h 19 min
